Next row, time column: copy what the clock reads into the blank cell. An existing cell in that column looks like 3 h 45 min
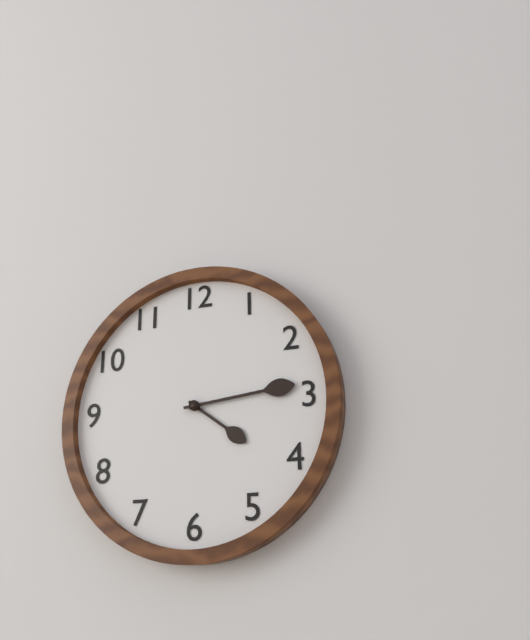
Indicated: 4 h 14 min
